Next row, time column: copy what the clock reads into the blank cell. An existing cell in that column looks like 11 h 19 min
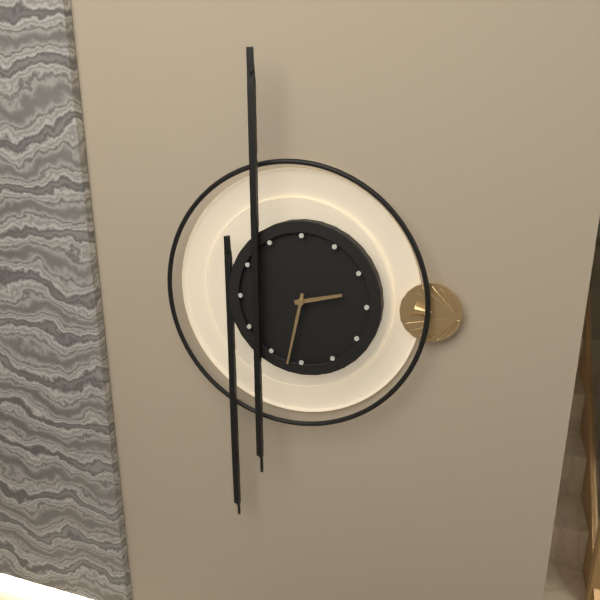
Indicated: 2 h 32 min
